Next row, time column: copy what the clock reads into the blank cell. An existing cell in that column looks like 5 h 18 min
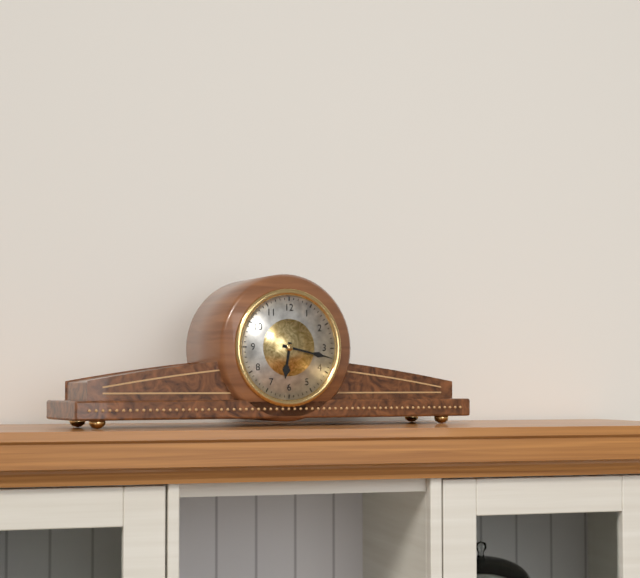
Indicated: 6 h 17 min
